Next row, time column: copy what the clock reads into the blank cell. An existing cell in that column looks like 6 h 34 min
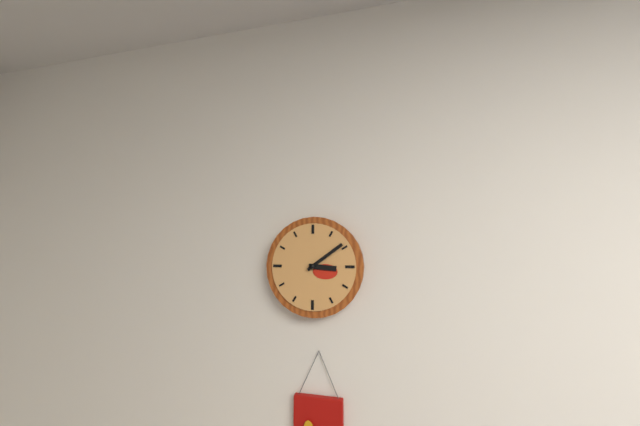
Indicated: 3 h 09 min
